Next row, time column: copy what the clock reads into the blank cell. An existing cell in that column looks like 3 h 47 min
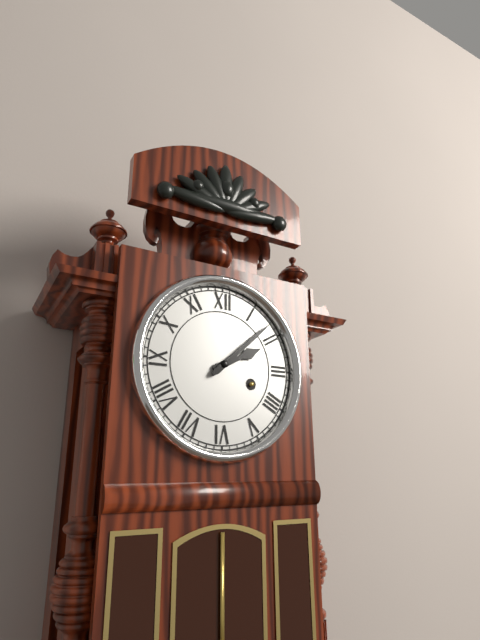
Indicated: 2 h 08 min
